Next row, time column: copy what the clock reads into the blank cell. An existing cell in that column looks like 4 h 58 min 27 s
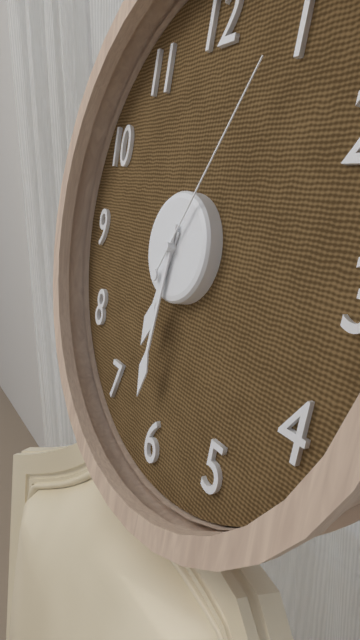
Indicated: 6 h 31 min 05 s
